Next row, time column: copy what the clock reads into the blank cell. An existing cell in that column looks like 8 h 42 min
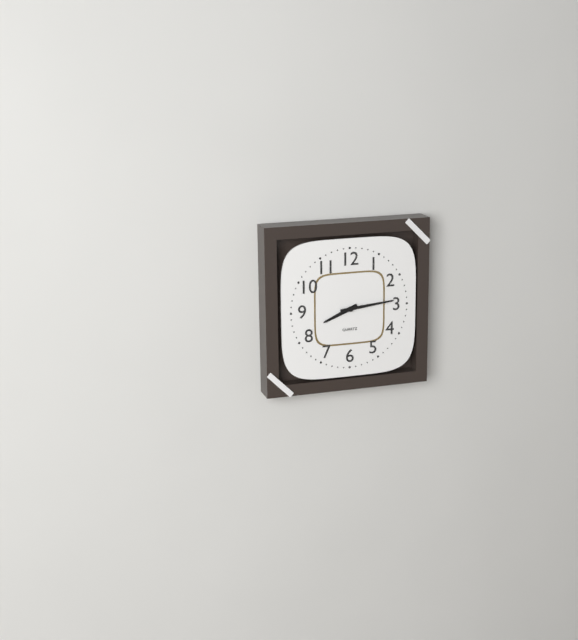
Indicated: 8 h 14 min
